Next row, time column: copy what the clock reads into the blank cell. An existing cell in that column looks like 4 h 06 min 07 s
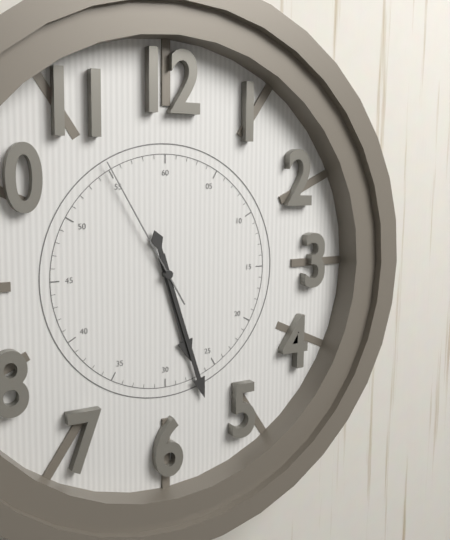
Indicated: 5 h 27 min 55 s
